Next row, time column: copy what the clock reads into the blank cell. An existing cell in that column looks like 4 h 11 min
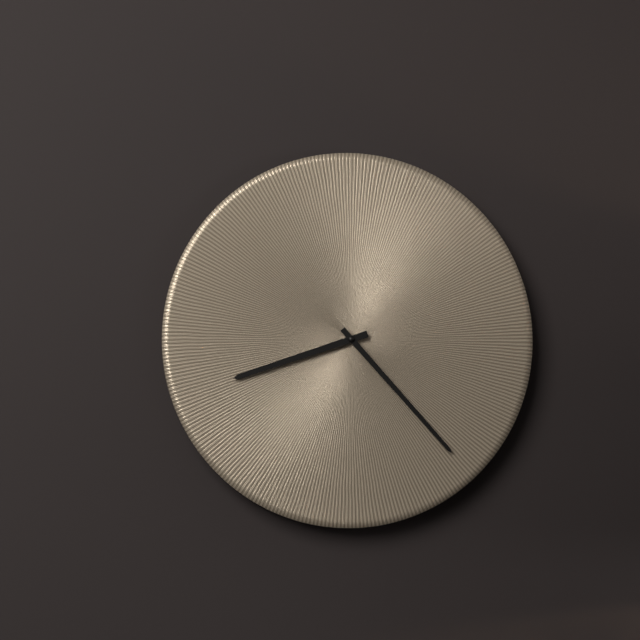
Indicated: 8 h 23 min
